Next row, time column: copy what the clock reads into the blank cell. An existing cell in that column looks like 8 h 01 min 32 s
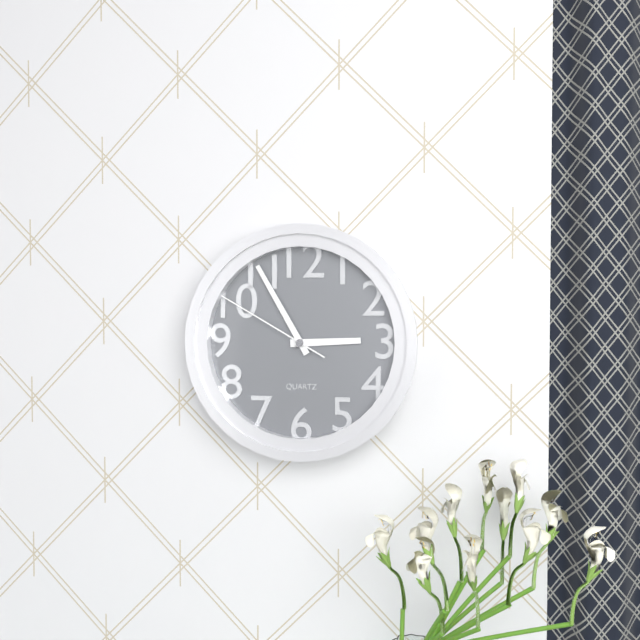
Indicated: 2 h 55 min 50 s
